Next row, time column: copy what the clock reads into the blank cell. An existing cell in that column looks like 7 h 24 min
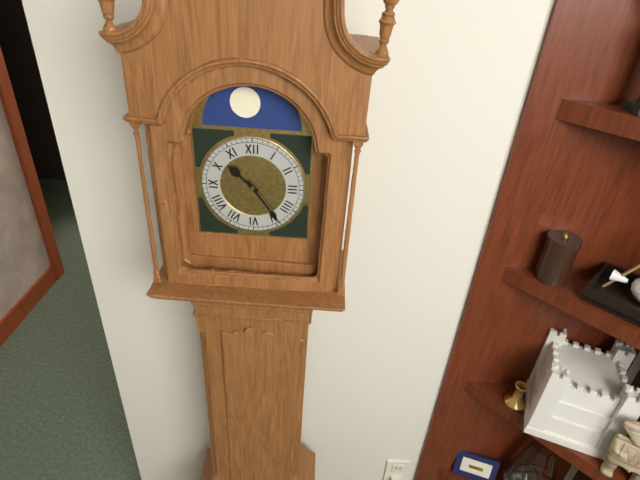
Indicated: 10 h 24 min
